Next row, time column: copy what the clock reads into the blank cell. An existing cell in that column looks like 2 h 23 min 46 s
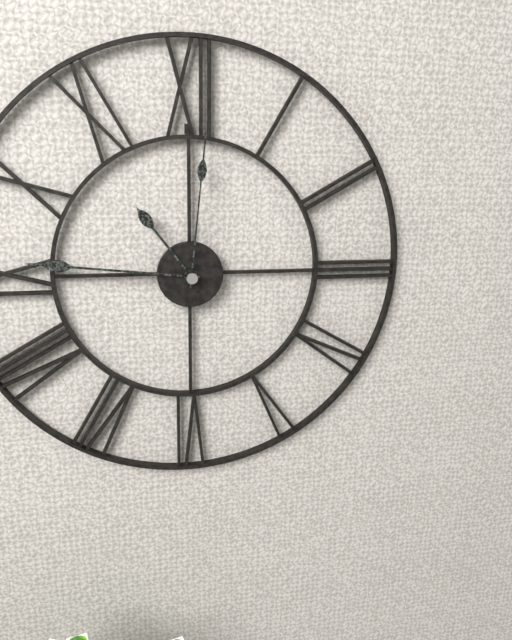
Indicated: 10 h 46 min 01 s
